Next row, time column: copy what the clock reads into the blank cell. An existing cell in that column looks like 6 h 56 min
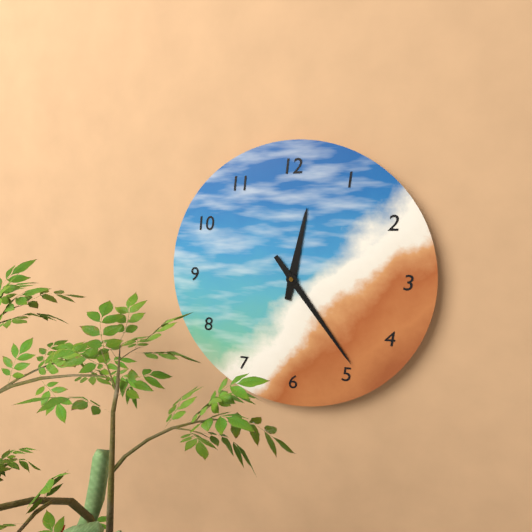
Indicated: 12 h 24 min
